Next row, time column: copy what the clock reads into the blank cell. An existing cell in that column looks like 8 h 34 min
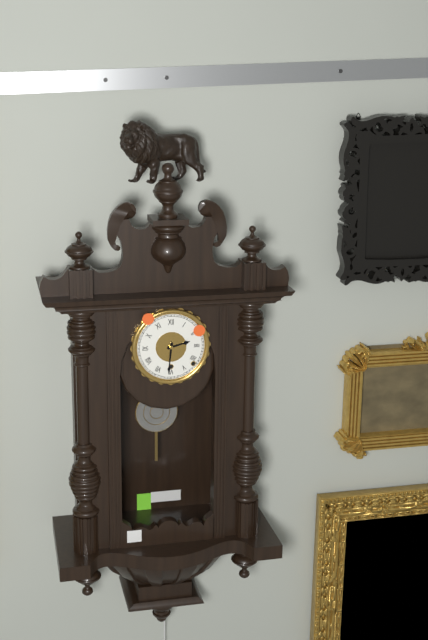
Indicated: 2 h 31 min
